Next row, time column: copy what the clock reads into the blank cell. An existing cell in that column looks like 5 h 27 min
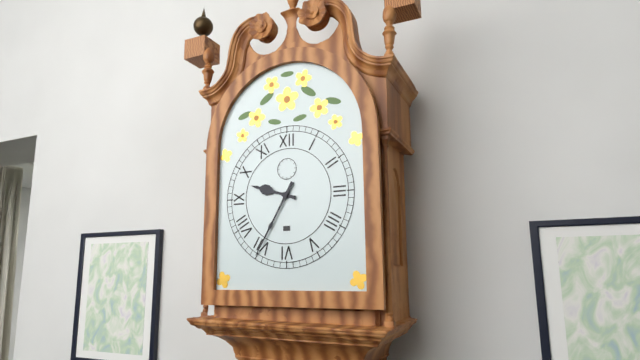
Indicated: 9 h 35 min
